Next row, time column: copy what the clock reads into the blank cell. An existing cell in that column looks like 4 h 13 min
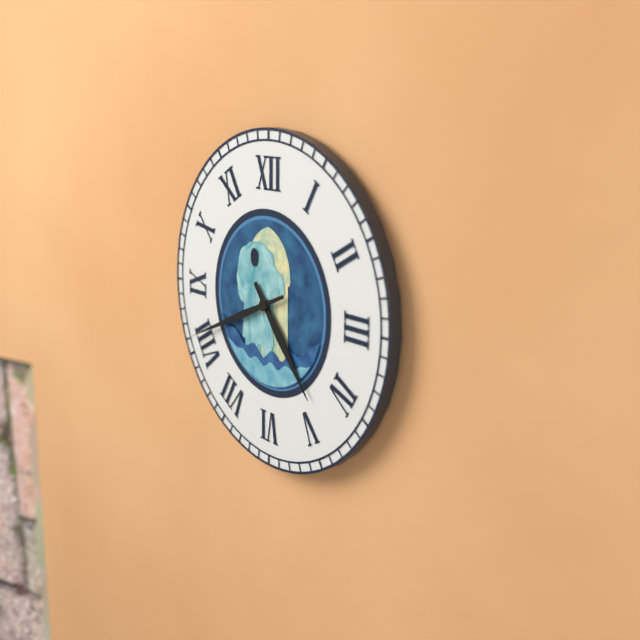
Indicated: 4 h 41 min
